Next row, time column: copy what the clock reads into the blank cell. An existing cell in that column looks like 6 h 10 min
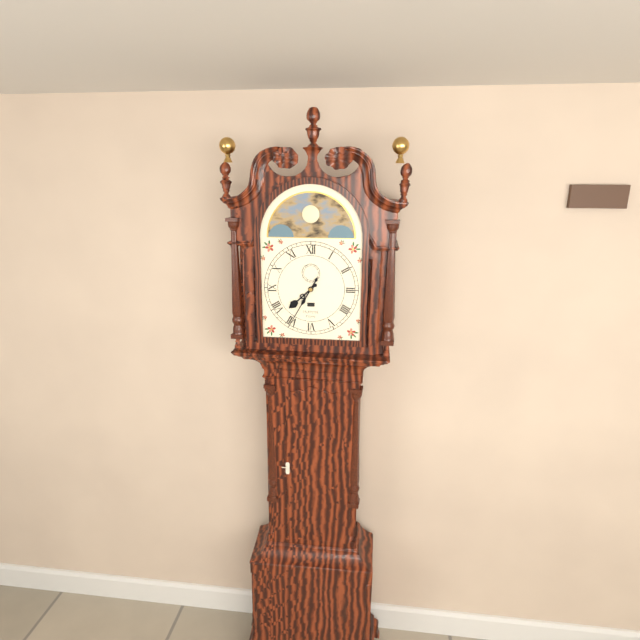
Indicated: 7 h 35 min
